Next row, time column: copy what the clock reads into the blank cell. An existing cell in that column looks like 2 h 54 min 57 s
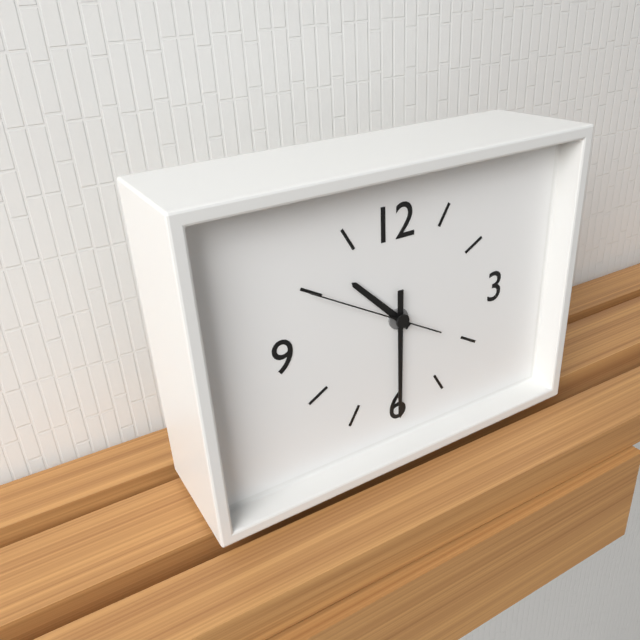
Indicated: 10 h 30 min 50 s
